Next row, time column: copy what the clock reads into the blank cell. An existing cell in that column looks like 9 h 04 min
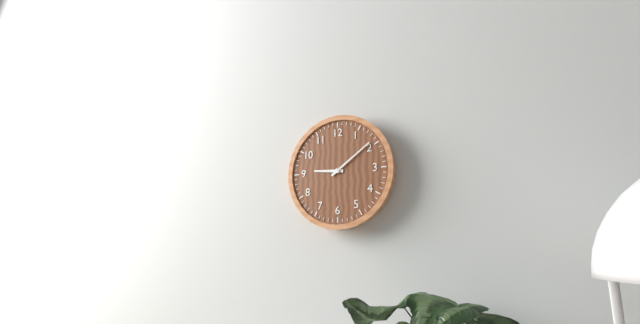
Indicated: 9 h 09 min
